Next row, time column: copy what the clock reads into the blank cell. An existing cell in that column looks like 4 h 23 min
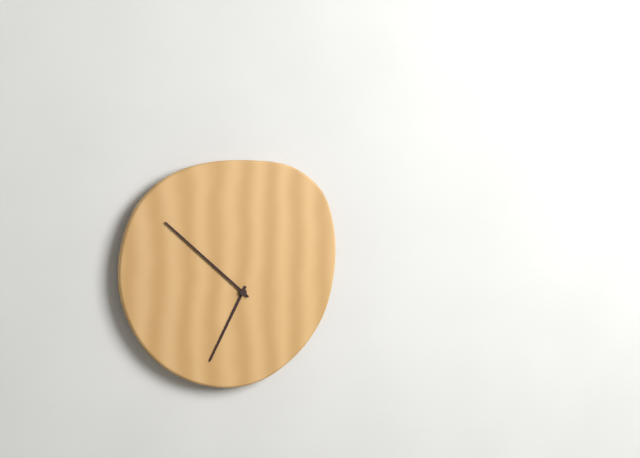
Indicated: 6 h 52 min
